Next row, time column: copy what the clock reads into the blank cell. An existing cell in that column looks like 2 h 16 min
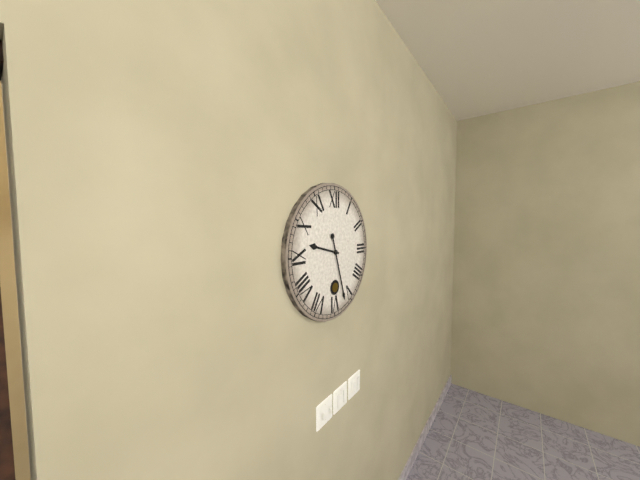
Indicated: 9 h 27 min
